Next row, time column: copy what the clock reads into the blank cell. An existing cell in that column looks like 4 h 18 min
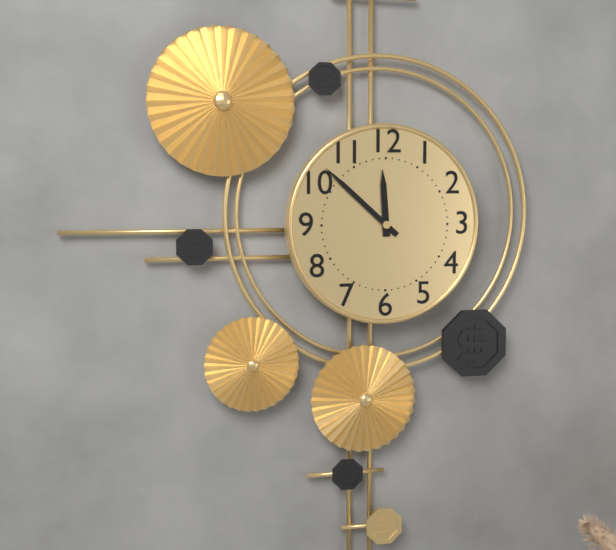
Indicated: 11 h 52 min
